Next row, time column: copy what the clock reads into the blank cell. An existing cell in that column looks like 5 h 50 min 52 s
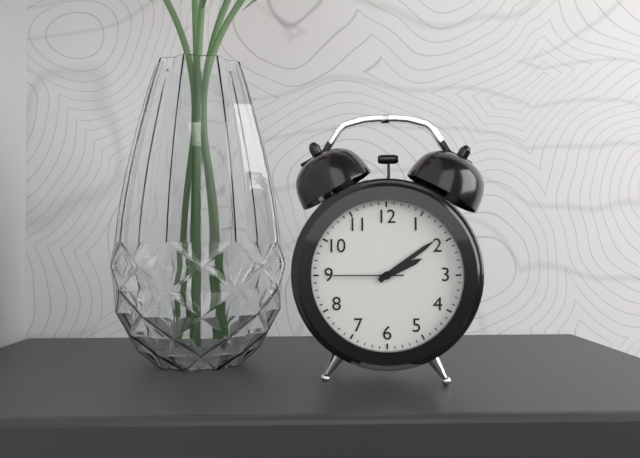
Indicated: 2 h 09 min 45 s
